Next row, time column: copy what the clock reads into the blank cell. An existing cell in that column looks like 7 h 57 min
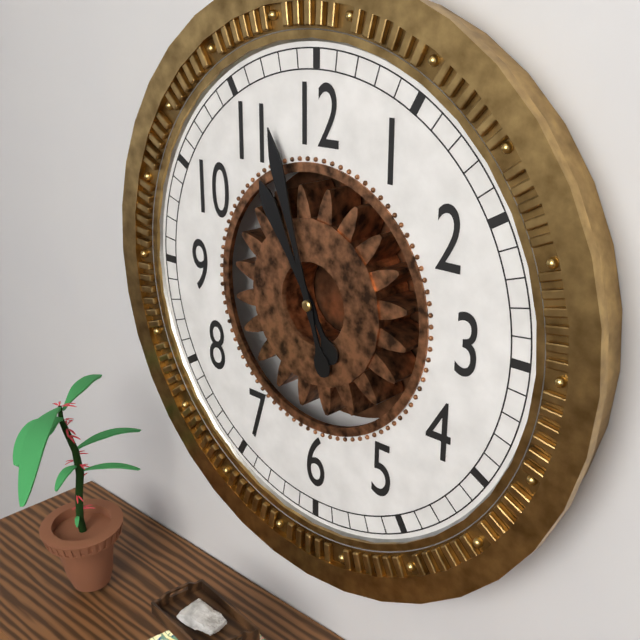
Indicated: 10 h 57 min
